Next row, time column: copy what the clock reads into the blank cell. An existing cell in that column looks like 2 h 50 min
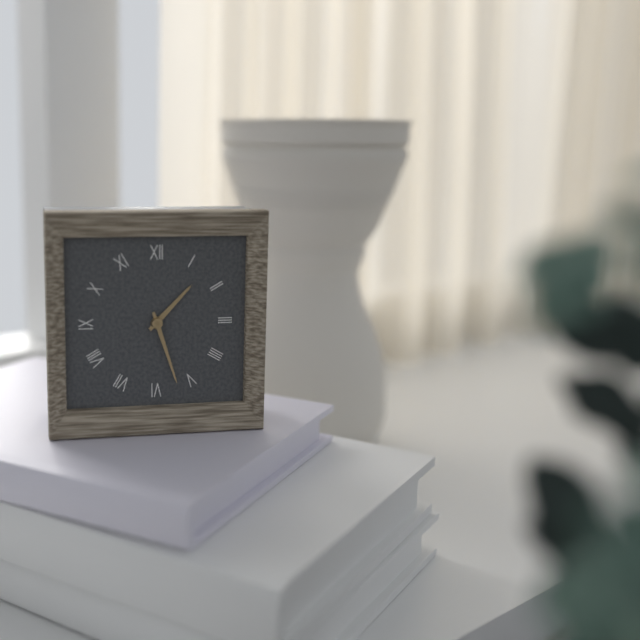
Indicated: 1 h 27 min
